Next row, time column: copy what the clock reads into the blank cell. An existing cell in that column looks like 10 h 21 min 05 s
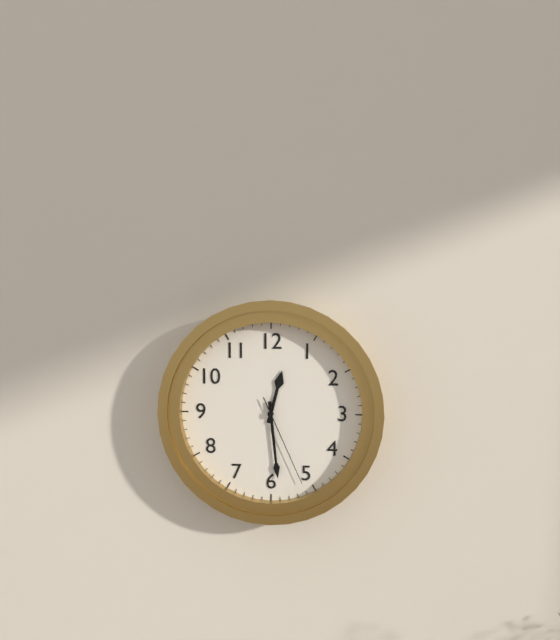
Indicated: 12 h 29 min 26 s
